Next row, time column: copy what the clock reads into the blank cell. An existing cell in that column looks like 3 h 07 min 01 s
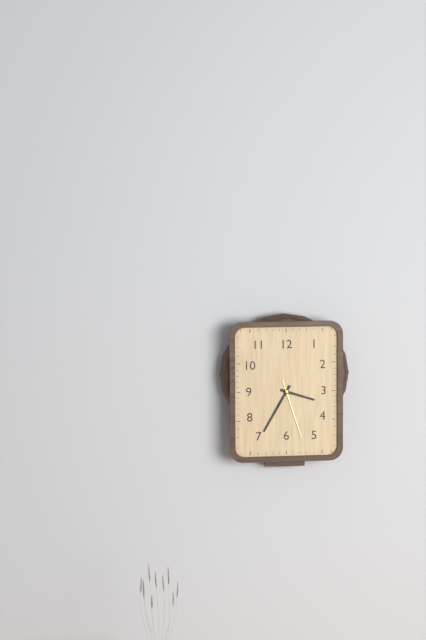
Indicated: 3 h 35 min 27 s
